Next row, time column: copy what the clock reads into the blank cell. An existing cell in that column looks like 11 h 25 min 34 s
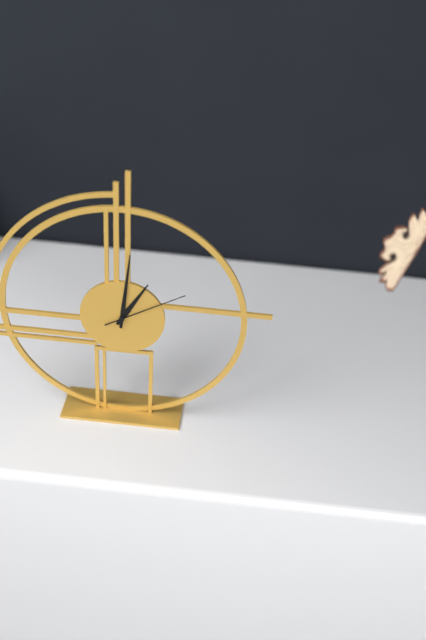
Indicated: 1 h 01 min 10 s
